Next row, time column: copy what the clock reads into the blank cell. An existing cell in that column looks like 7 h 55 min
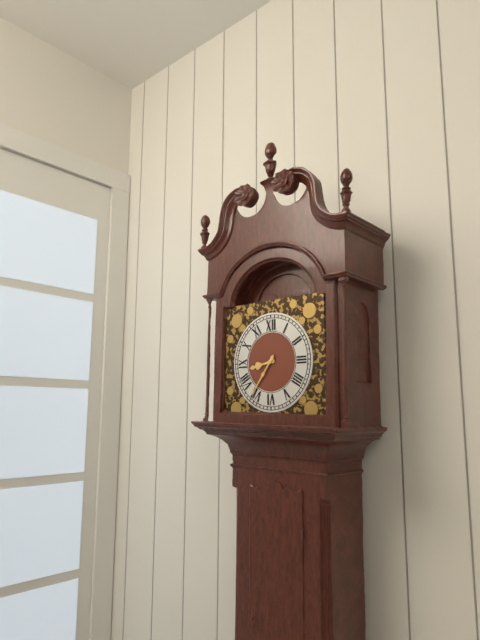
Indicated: 8 h 36 min
